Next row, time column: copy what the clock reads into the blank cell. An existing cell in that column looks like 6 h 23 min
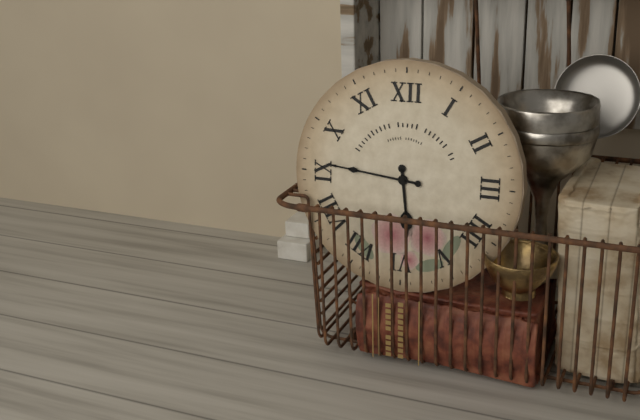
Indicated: 5 h 46 min
